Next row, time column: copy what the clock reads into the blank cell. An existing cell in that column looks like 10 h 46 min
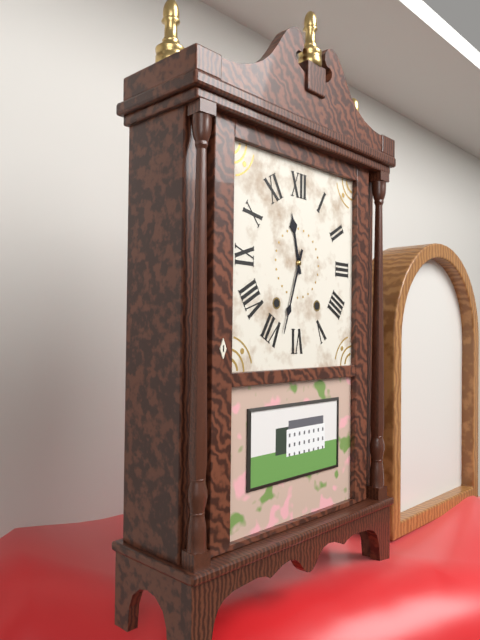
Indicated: 11 h 33 min
